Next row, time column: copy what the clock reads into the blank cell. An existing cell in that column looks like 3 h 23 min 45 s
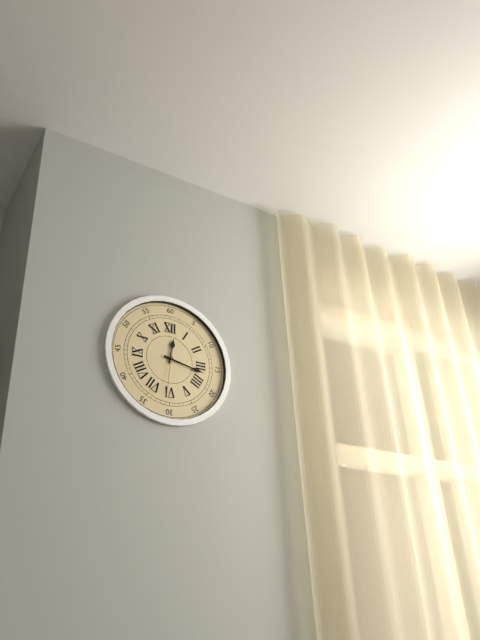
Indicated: 12 h 17 min 31 s
